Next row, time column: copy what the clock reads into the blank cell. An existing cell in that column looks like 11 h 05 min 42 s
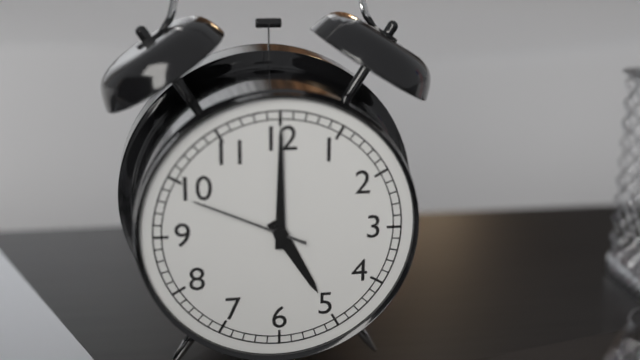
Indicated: 5 h 00 min 49 s
